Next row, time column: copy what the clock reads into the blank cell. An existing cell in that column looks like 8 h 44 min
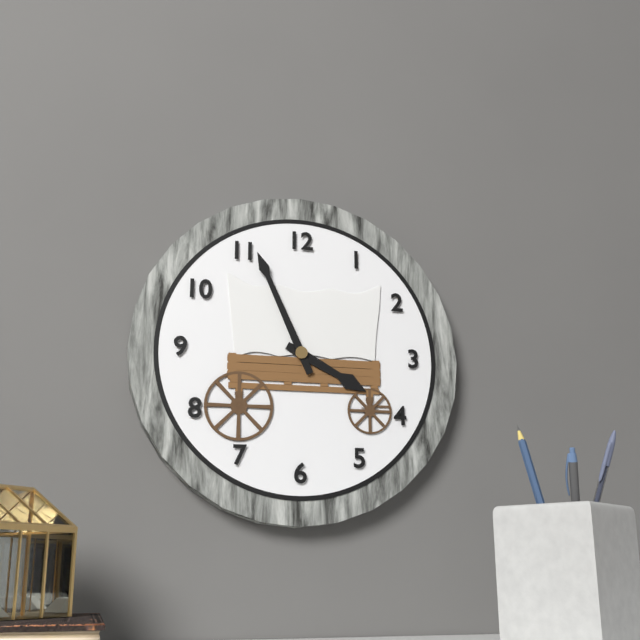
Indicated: 3 h 56 min
